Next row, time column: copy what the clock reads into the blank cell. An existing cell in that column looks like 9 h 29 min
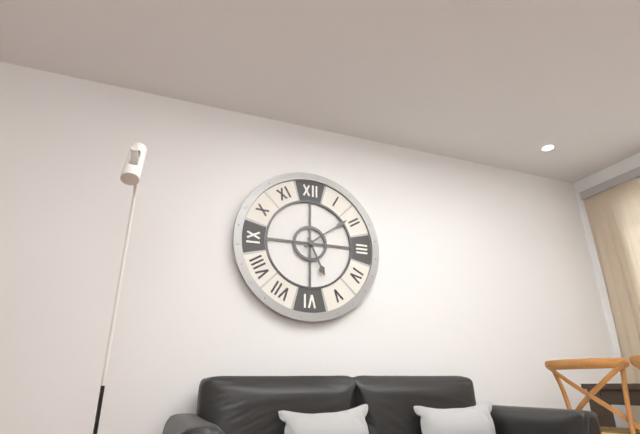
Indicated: 5 h 09 min
